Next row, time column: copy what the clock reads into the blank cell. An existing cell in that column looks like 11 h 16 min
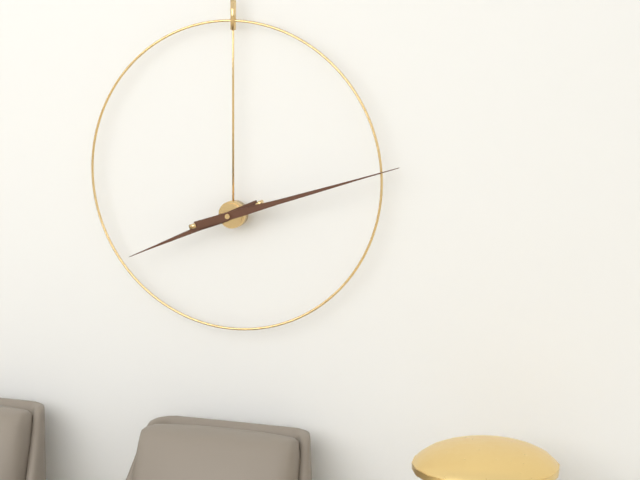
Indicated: 8 h 12 min
